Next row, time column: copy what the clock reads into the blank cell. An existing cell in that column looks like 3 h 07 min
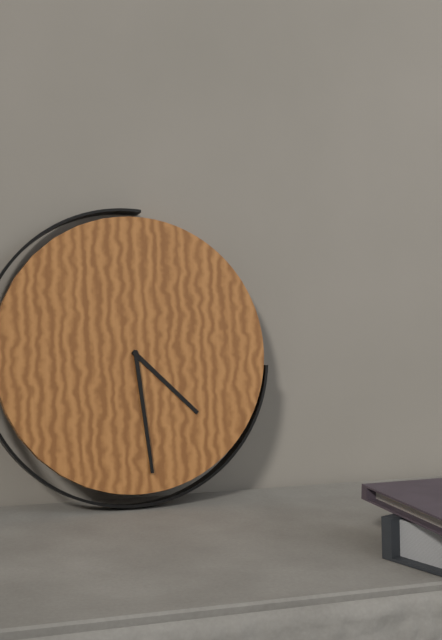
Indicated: 4 h 29 min
